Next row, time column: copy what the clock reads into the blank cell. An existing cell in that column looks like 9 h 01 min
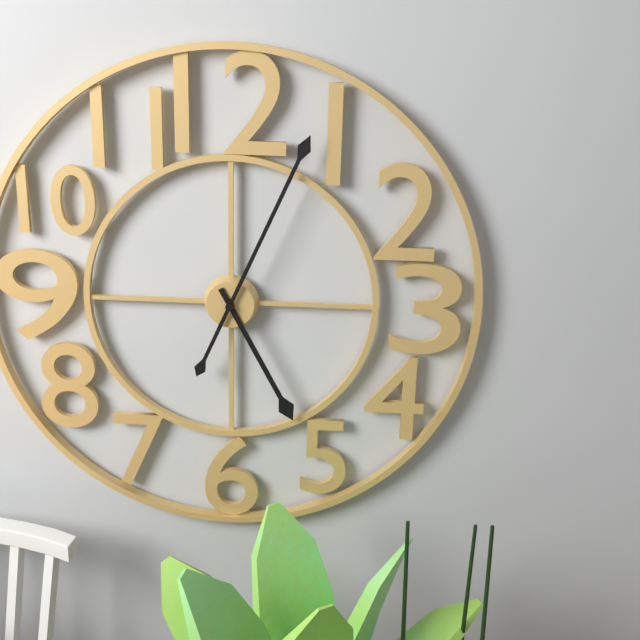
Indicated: 5 h 04 min
